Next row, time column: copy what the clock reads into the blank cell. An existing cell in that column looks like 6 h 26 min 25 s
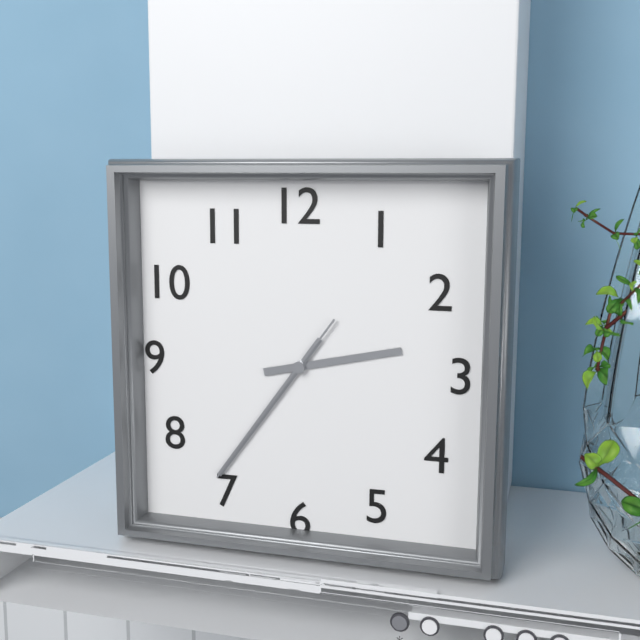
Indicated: 2 h 36 min 36 s
